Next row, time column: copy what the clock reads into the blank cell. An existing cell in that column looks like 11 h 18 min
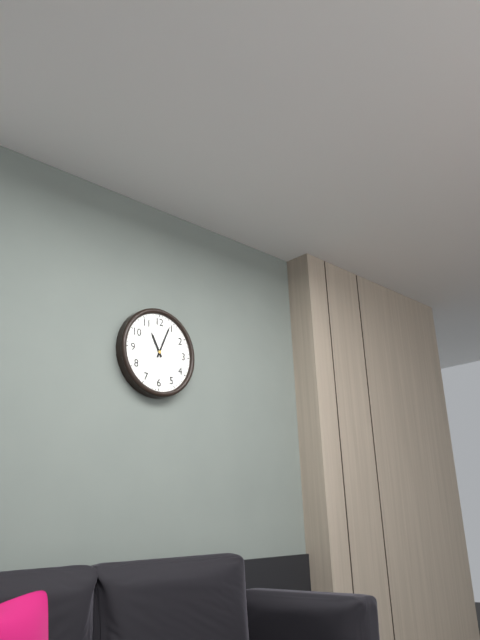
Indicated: 11 h 04 min
